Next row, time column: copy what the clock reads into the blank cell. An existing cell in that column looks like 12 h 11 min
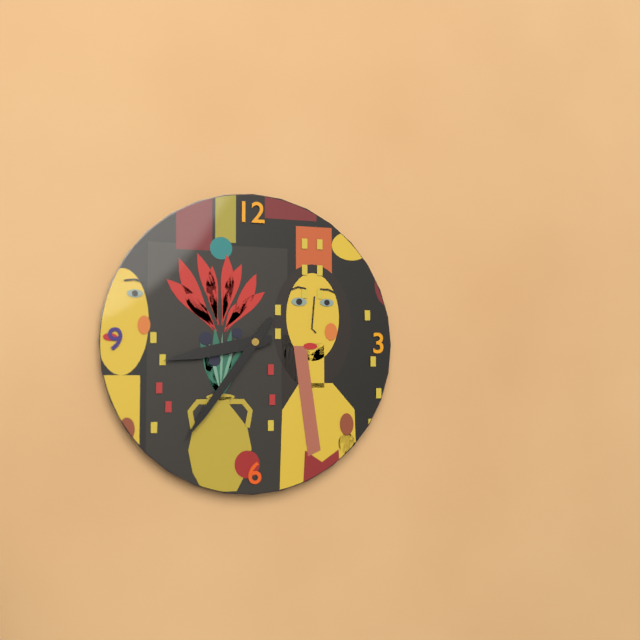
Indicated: 8 h 36 min
